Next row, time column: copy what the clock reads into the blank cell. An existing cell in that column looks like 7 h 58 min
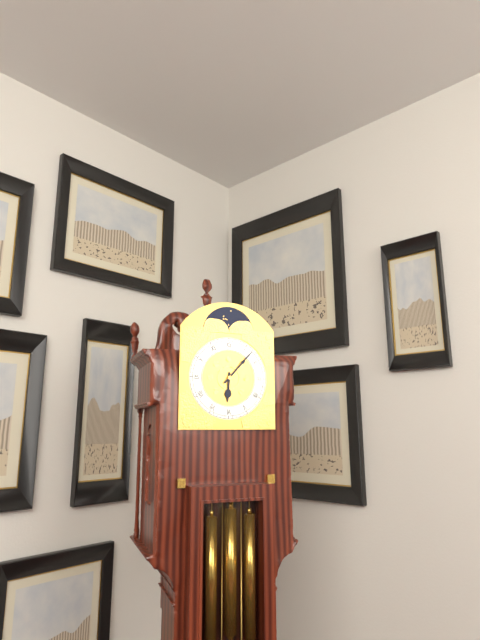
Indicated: 6 h 07 min
